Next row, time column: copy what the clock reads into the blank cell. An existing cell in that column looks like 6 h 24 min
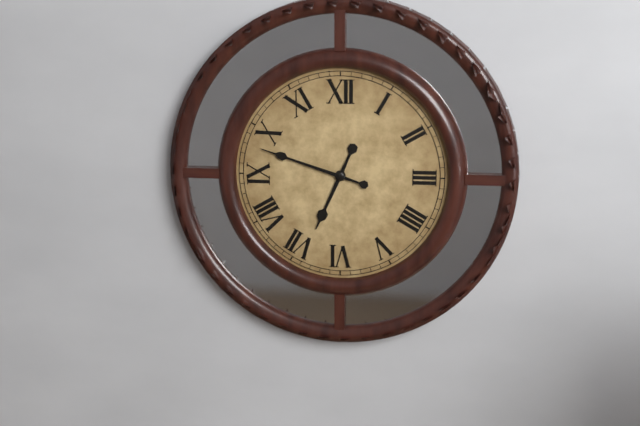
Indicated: 6 h 48 min
